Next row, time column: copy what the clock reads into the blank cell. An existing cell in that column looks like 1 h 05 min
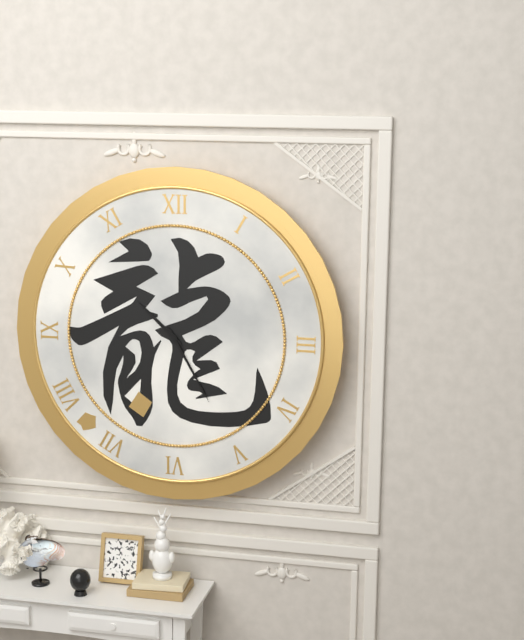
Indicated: 10 h 25 min
